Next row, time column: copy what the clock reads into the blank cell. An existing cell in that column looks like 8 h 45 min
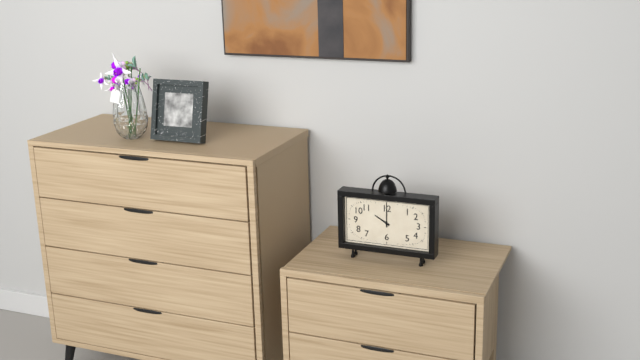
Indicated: 10 h 00 min
